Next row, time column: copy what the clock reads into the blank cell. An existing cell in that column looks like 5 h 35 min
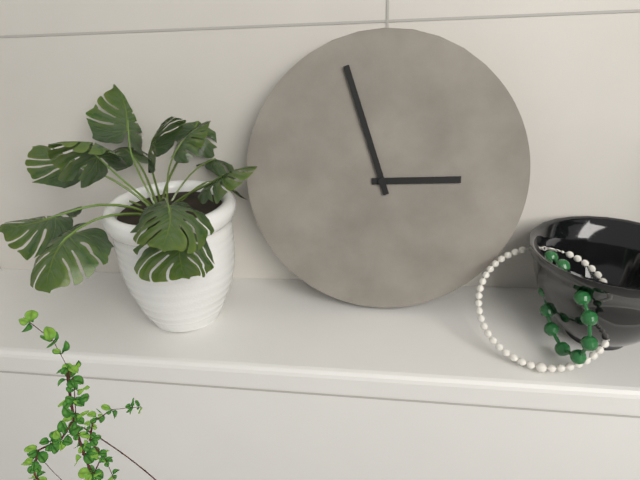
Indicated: 2 h 57 min
